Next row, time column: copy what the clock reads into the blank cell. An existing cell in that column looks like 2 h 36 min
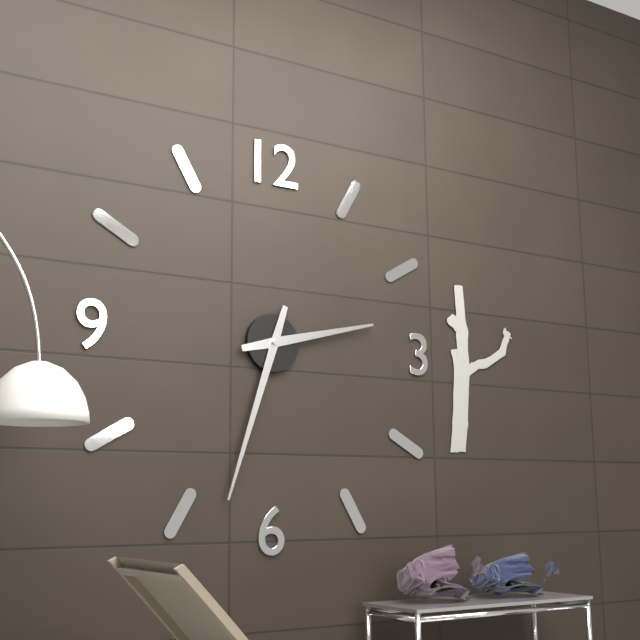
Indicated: 2 h 33 min
